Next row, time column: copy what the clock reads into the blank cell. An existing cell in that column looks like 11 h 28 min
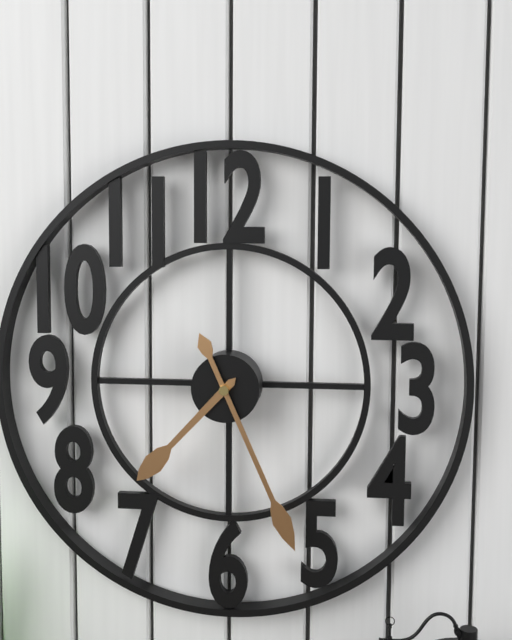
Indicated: 7 h 26 min
